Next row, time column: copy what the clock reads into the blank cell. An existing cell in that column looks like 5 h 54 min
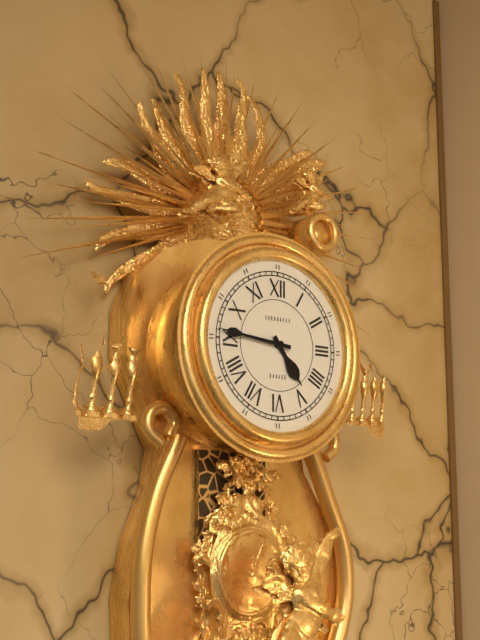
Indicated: 4 h 46 min
